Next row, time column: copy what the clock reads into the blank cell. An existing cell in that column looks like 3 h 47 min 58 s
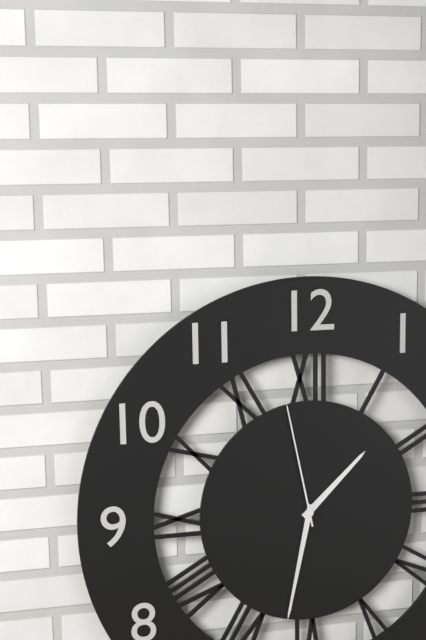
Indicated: 1 h 32 min 58 s
